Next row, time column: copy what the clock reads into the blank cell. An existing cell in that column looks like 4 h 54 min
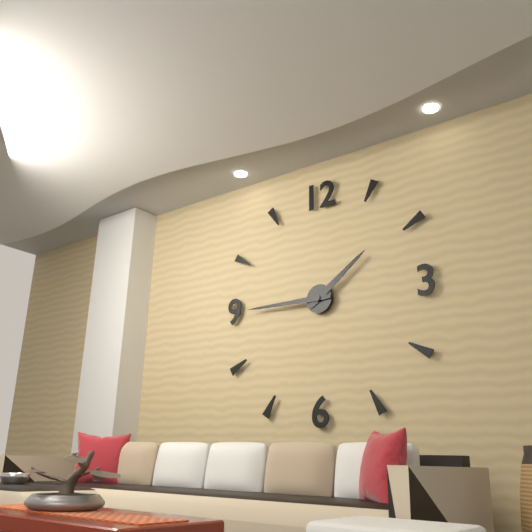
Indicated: 1 h 45 min
